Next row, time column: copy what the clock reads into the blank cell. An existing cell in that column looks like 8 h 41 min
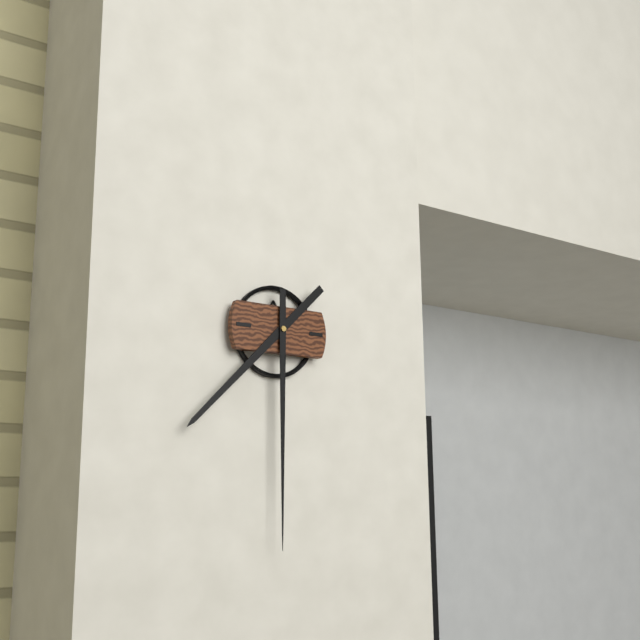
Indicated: 7 h 30 min
